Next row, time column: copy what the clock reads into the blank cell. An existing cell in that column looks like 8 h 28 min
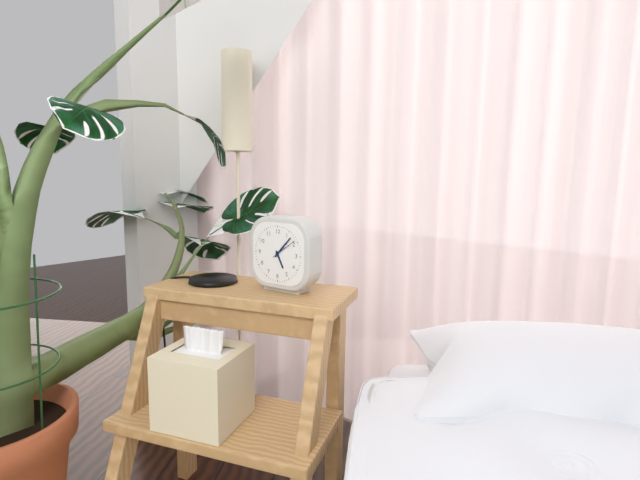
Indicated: 5 h 07 min
